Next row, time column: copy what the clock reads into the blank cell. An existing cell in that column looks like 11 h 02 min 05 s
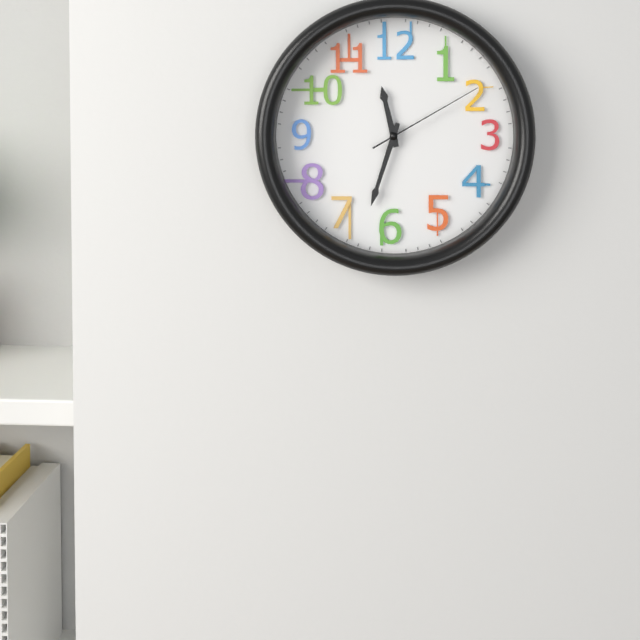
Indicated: 11 h 33 min 10 s
